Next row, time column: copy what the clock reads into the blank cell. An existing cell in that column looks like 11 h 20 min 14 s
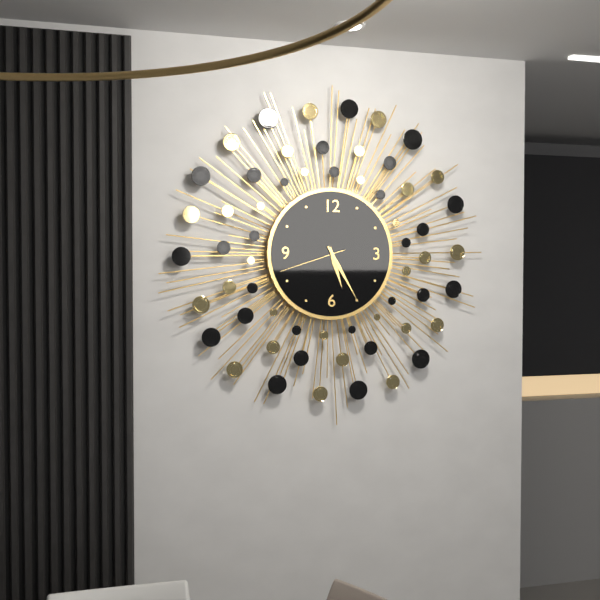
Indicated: 5 h 25 min 42 s
